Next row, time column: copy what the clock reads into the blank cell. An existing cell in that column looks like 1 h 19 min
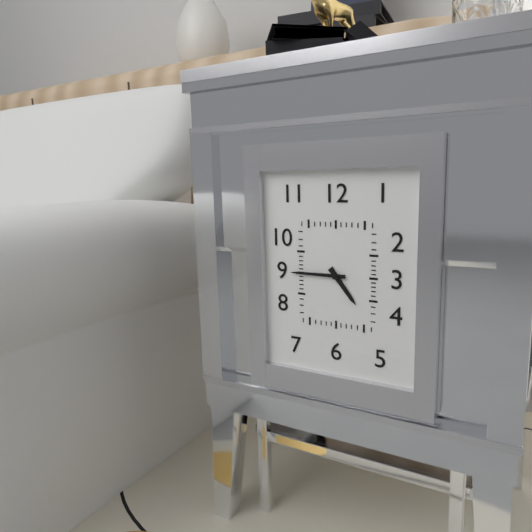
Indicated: 4 h 45 min
